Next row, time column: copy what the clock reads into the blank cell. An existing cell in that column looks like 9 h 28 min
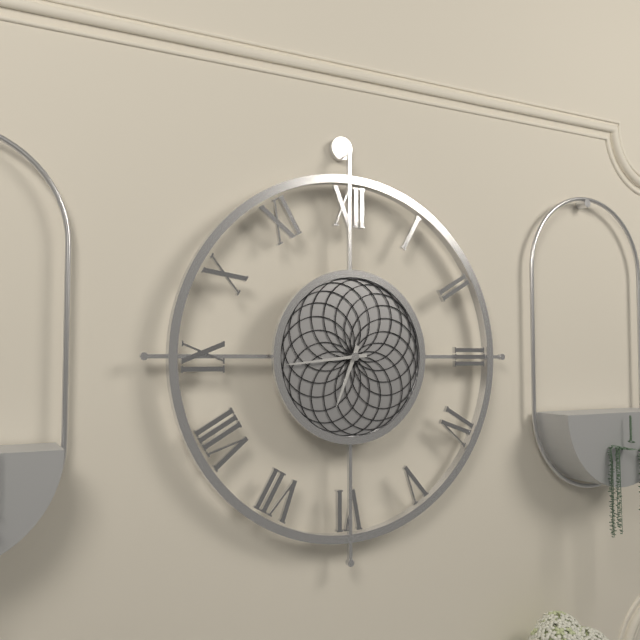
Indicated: 6 h 44 min
